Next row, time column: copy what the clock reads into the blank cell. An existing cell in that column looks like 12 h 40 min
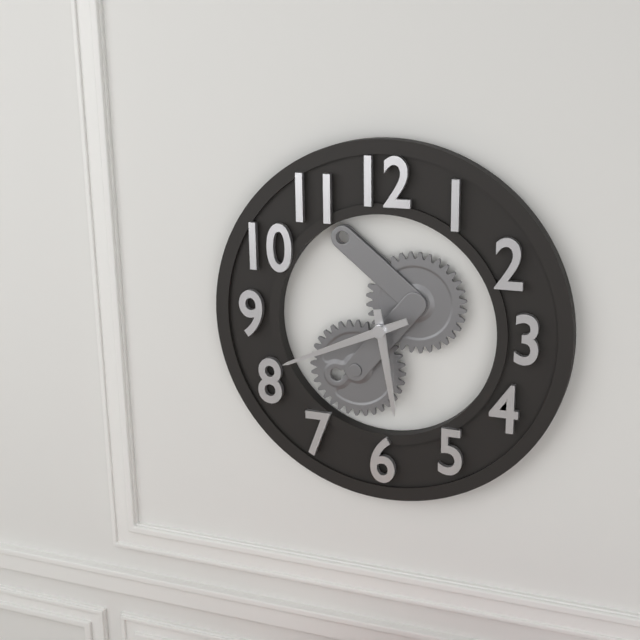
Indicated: 5 h 41 min
